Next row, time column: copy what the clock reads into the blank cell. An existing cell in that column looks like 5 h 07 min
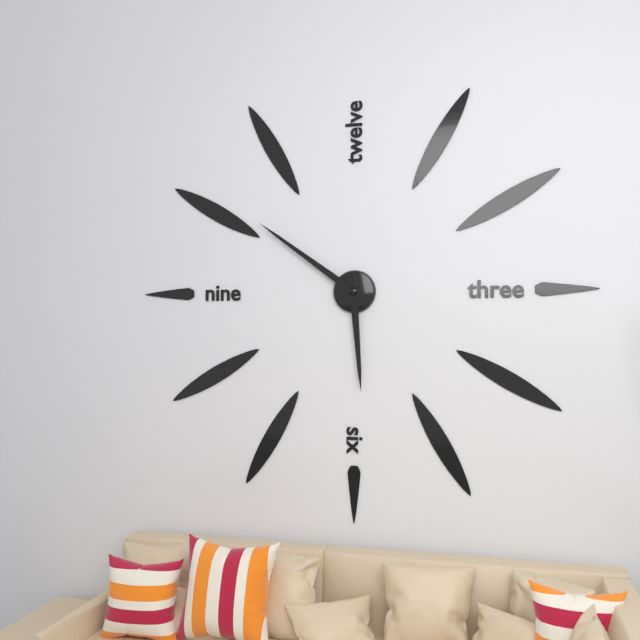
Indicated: 5 h 51 min
